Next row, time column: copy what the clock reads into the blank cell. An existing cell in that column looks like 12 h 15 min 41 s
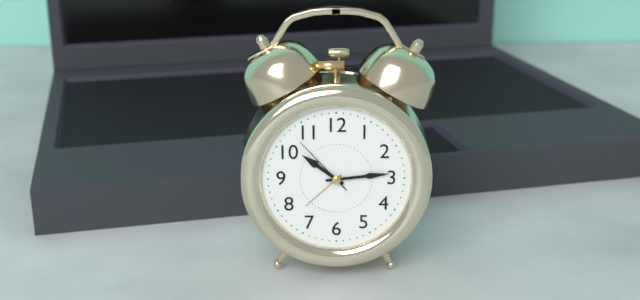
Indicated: 10 h 14 min 53 s
